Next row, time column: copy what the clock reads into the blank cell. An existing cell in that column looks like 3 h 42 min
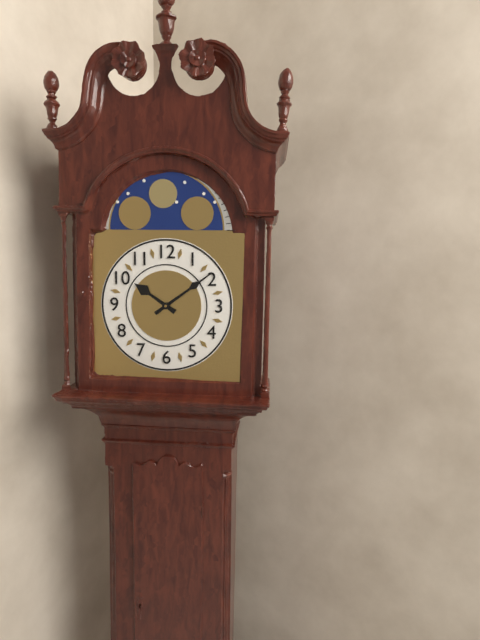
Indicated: 10 h 09 min
